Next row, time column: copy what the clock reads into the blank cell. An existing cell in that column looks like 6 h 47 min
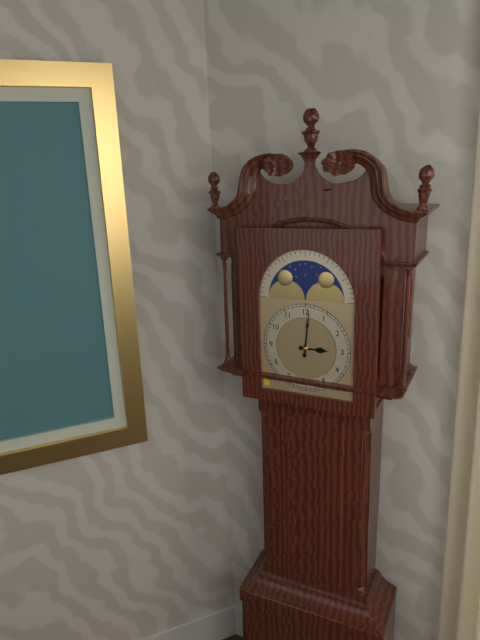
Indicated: 3 h 01 min
